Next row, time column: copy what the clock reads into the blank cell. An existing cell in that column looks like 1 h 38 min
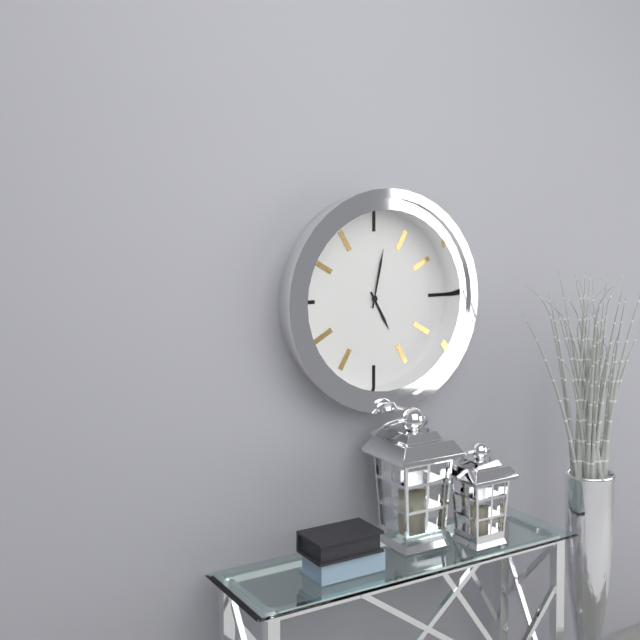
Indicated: 5 h 02 min
